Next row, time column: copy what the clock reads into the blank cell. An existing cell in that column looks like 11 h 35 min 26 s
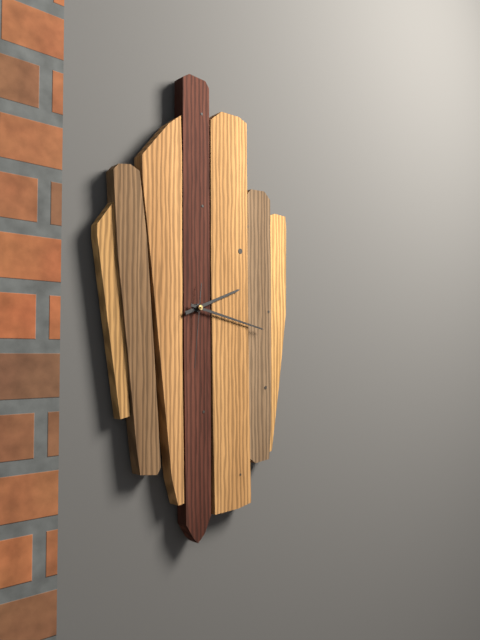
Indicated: 2 h 17 min 31 s
